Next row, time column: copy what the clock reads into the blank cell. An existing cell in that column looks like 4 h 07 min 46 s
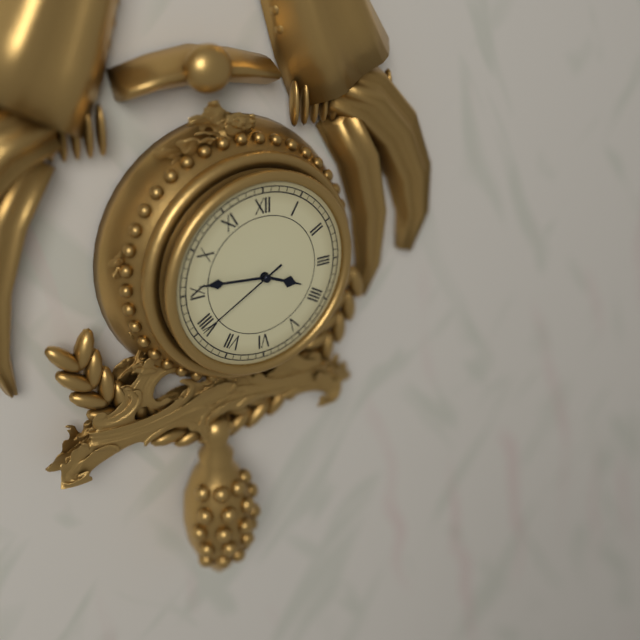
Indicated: 3 h 46 min 40 s
